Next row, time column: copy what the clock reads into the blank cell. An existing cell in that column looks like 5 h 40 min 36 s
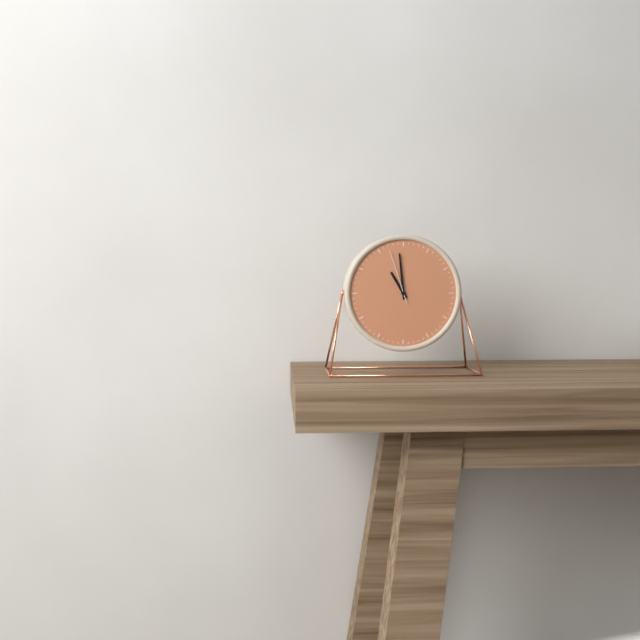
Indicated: 10 h 59 min 57 s
